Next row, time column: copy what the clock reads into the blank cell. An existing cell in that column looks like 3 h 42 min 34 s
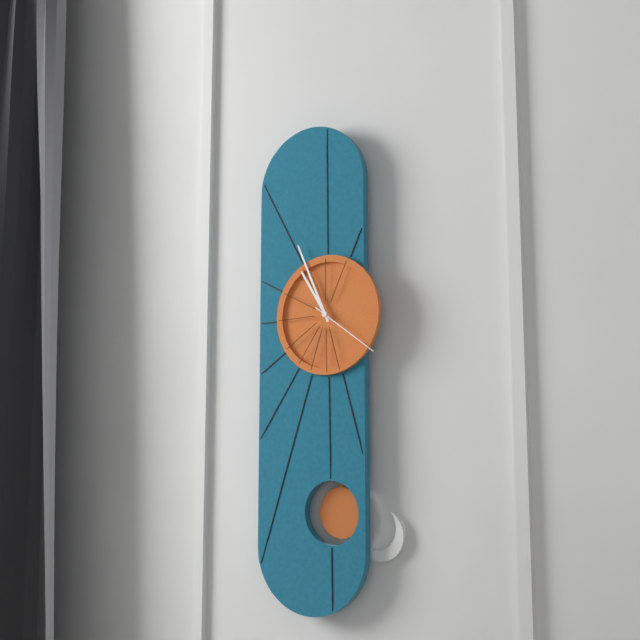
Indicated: 10 h 56 min 21 s
